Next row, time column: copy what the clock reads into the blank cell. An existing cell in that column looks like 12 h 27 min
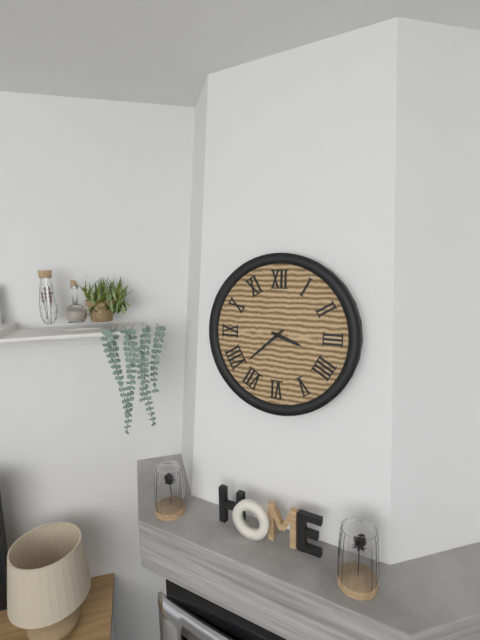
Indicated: 3 h 38 min
